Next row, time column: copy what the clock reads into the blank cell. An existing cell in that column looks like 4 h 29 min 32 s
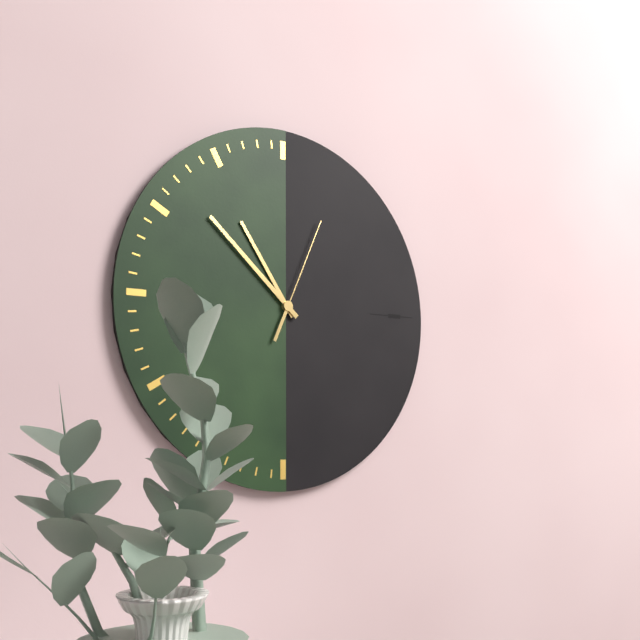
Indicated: 10 h 52 min 04 s
